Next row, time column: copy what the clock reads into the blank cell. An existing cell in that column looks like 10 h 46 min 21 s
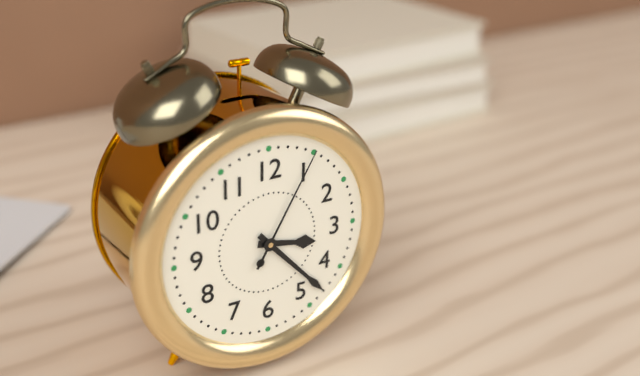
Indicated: 3 h 23 min 05 s
